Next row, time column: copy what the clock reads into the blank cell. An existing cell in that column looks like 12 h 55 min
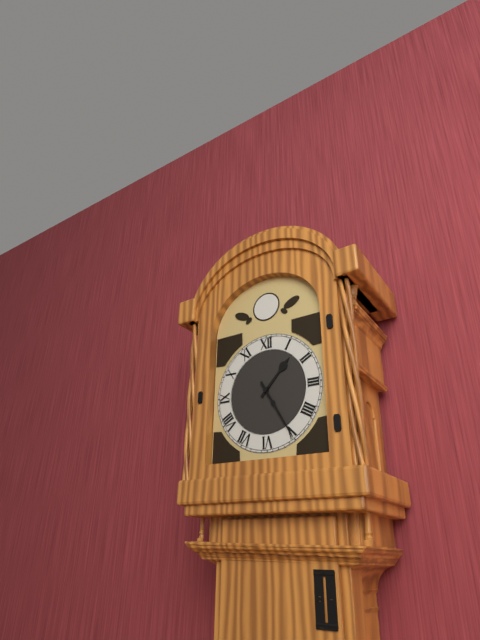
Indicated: 1 h 25 min
